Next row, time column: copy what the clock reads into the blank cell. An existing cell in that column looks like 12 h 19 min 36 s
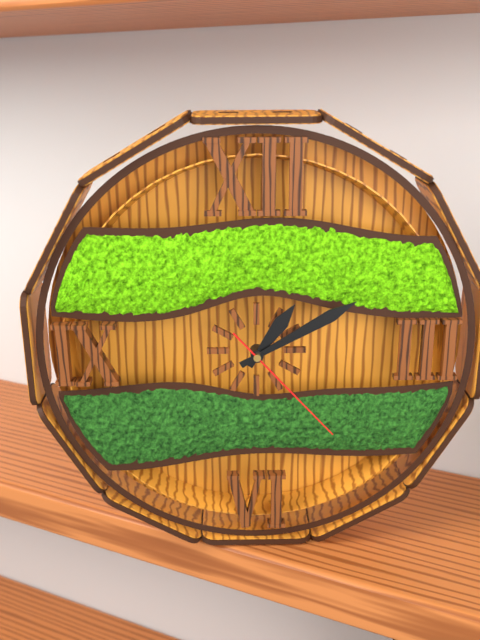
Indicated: 1 h 10 min 23 s
